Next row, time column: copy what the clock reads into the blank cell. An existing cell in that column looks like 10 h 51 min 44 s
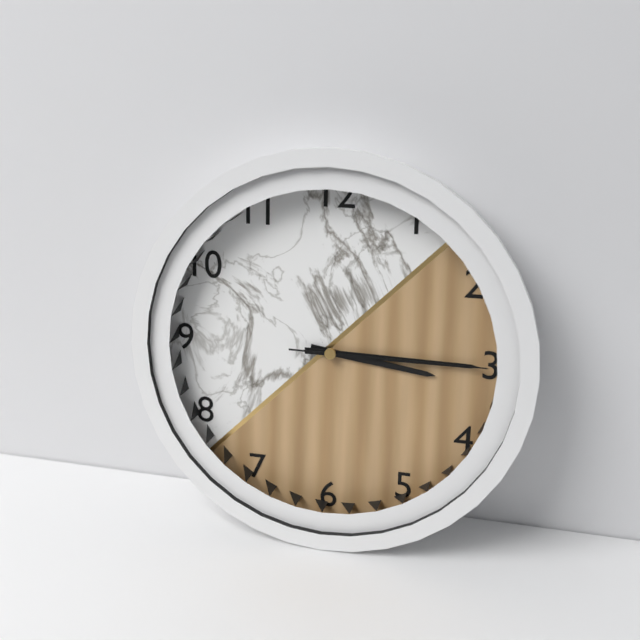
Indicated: 3 h 15 min 15 s
